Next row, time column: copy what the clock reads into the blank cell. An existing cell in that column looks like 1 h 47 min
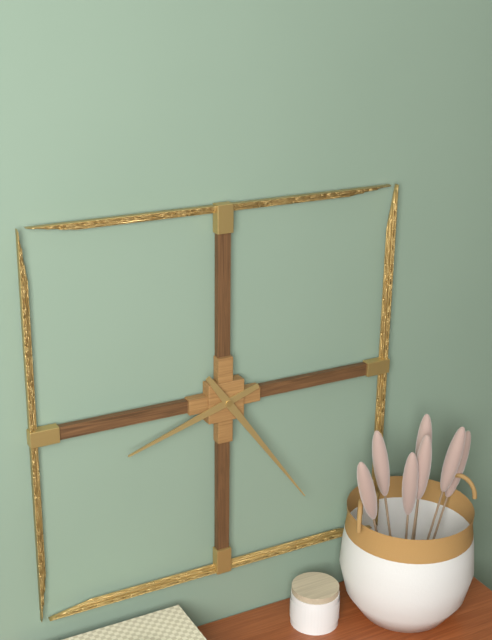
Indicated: 8 h 24 min
